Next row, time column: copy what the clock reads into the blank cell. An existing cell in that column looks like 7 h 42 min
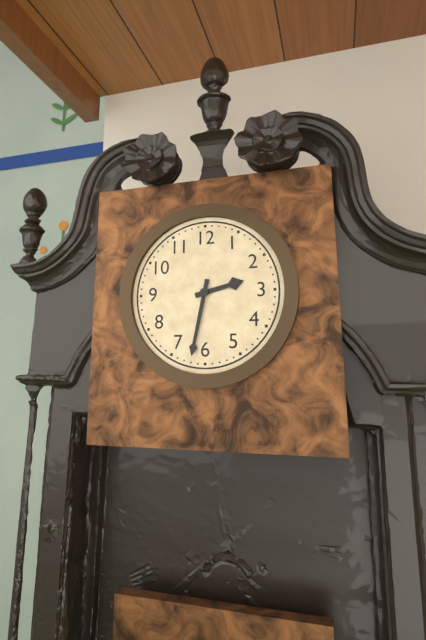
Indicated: 2 h 32 min
